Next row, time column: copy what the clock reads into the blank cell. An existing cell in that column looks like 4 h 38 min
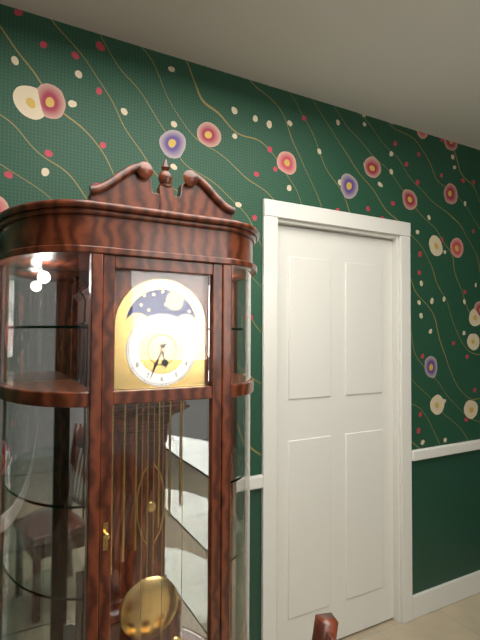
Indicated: 5 h 34 min
